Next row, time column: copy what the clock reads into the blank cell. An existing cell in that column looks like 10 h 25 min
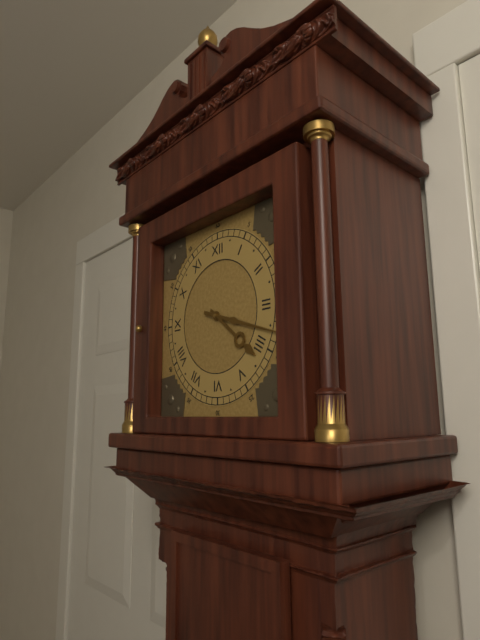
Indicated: 4 h 18 min
